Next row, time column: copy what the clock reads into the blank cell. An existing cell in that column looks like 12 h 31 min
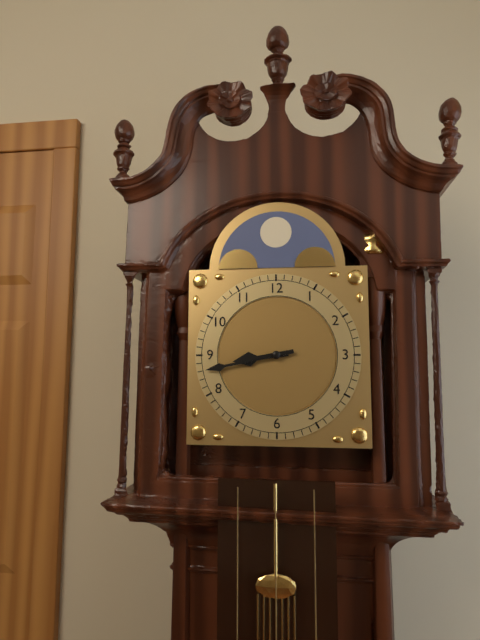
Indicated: 8 h 43 min
